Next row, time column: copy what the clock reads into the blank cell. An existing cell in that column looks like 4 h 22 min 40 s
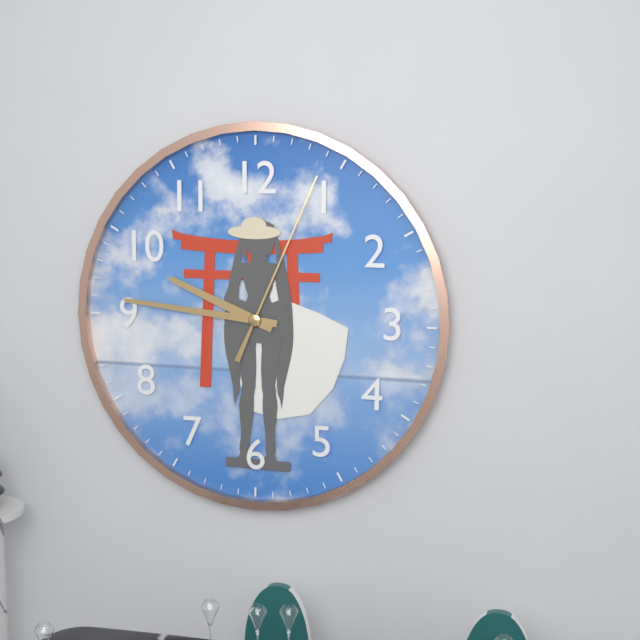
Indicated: 9 h 46 min 04 s
